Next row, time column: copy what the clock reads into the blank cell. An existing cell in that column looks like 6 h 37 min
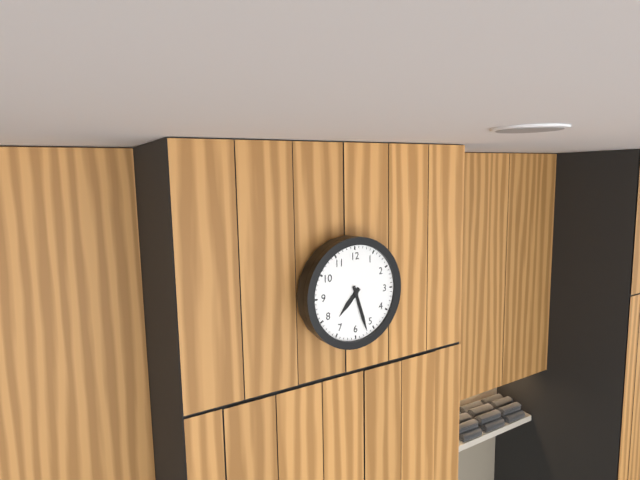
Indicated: 7 h 27 min
